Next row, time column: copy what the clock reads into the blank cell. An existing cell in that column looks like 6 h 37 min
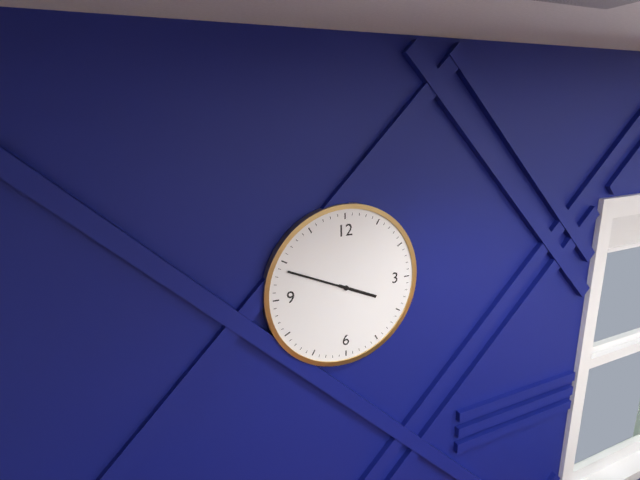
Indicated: 3 h 49 min
